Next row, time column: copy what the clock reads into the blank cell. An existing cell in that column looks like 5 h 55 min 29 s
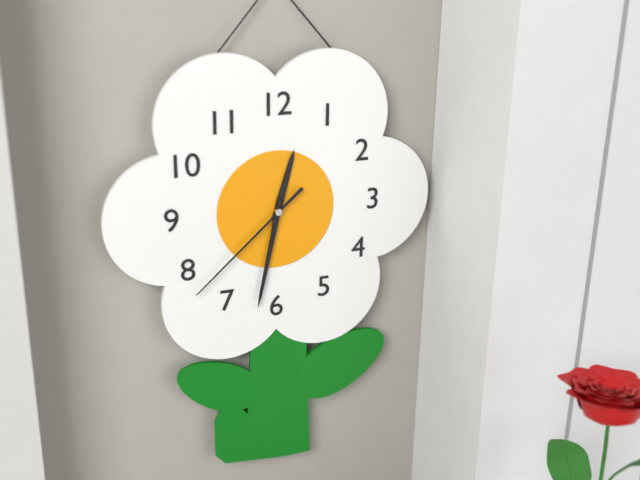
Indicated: 12 h 32 min 38 s
